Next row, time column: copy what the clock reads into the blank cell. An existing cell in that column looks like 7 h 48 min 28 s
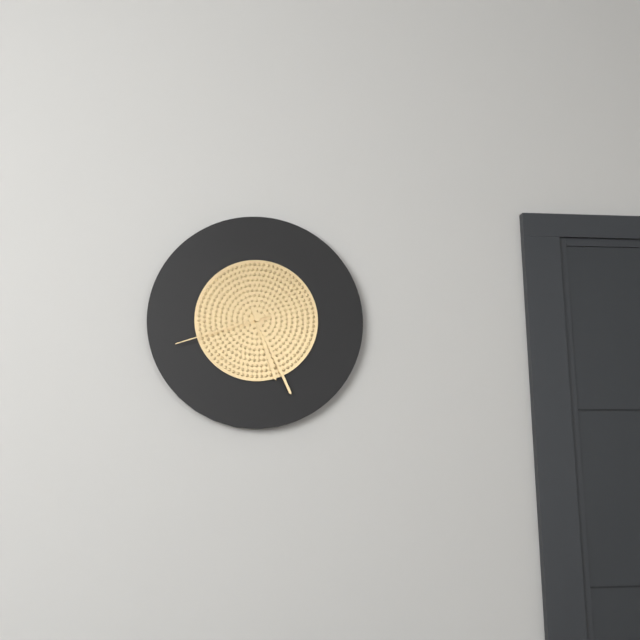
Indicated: 5 h 26 min 42 s
